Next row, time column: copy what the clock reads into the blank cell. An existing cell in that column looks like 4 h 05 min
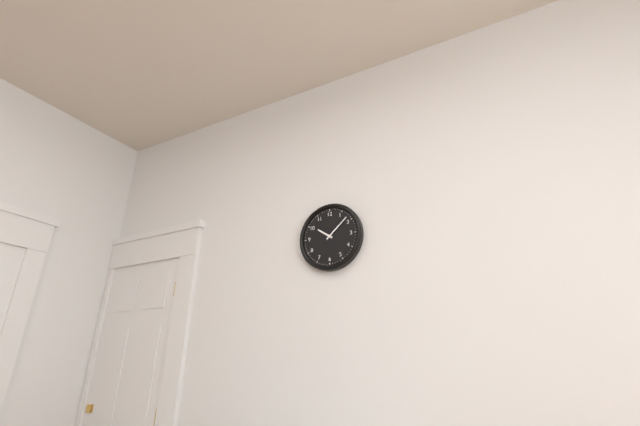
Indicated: 10 h 08 min
